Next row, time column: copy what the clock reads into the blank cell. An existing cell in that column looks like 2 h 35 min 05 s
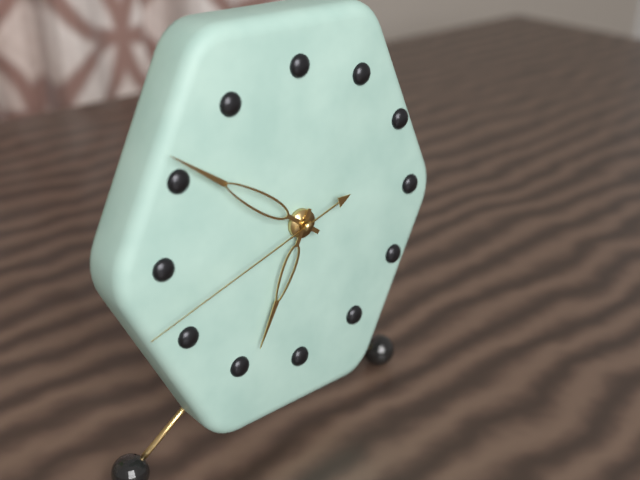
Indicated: 6 h 51 min 42 s
